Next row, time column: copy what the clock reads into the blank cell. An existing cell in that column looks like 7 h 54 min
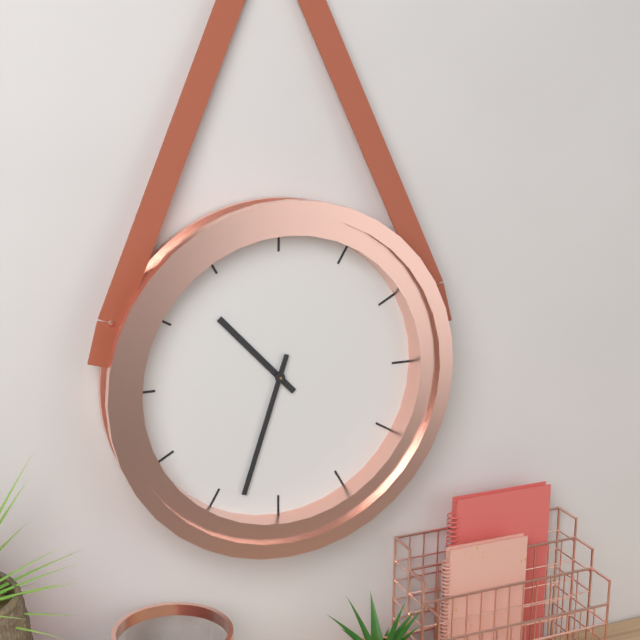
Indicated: 10 h 33 min
